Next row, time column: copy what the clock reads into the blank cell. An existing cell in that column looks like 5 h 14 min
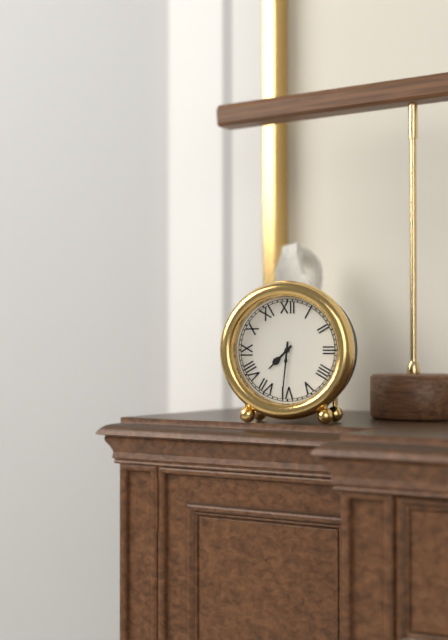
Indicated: 7 h 31 min
